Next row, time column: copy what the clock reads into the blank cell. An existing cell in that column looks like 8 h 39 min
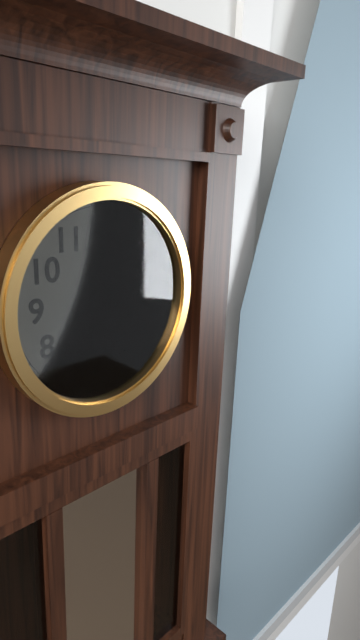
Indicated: 2 h 18 min
